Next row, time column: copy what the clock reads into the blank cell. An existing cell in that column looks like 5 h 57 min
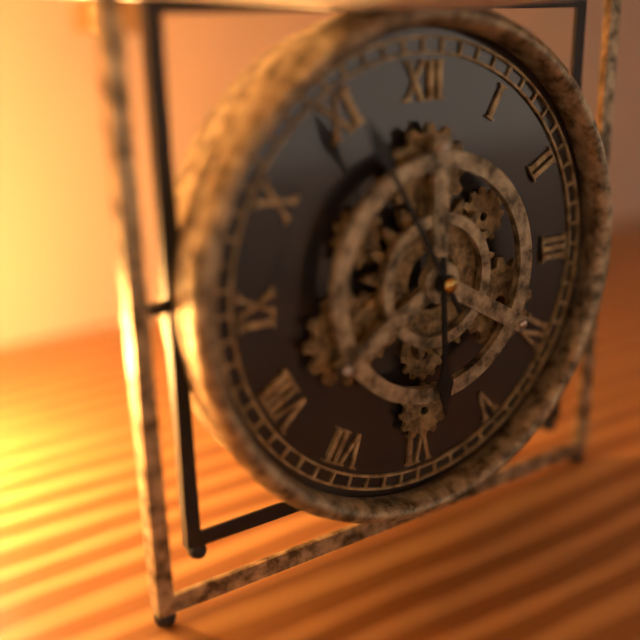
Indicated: 5 h 55 min
